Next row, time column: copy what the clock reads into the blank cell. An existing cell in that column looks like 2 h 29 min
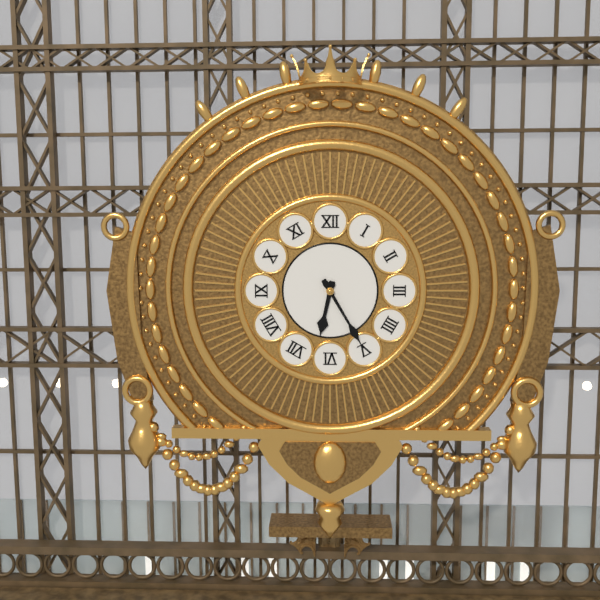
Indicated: 6 h 25 min
